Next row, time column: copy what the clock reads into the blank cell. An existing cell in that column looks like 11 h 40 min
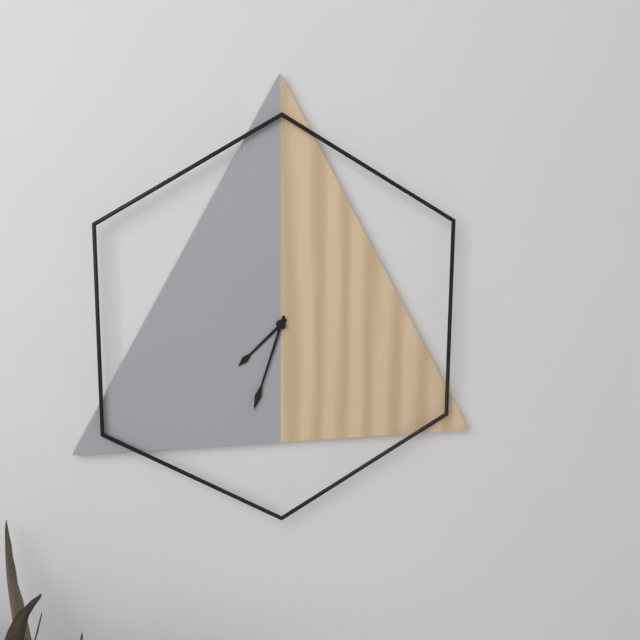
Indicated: 7 h 33 min
